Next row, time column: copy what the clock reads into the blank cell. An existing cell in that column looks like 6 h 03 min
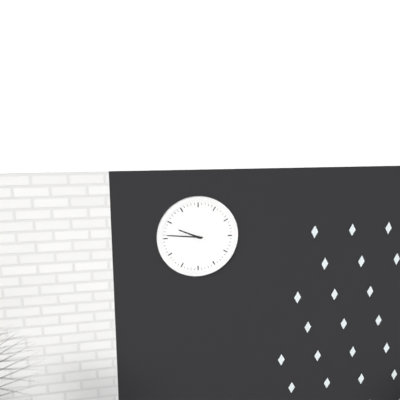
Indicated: 9 h 46 min
